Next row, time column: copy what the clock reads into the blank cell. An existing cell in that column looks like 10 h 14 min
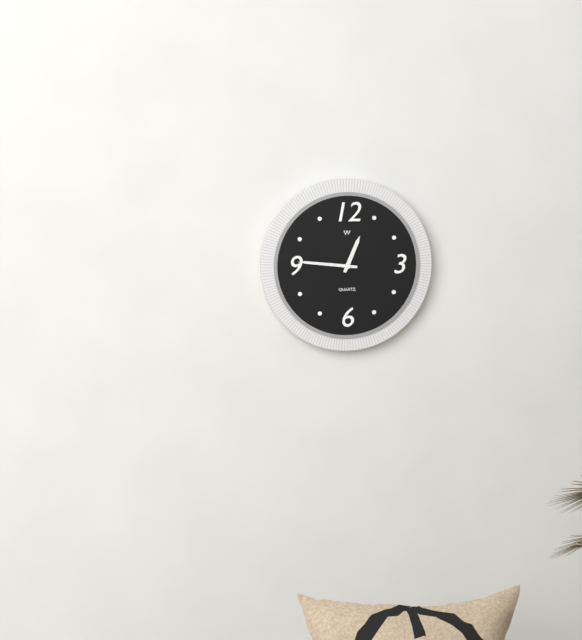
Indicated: 12 h 46 min
